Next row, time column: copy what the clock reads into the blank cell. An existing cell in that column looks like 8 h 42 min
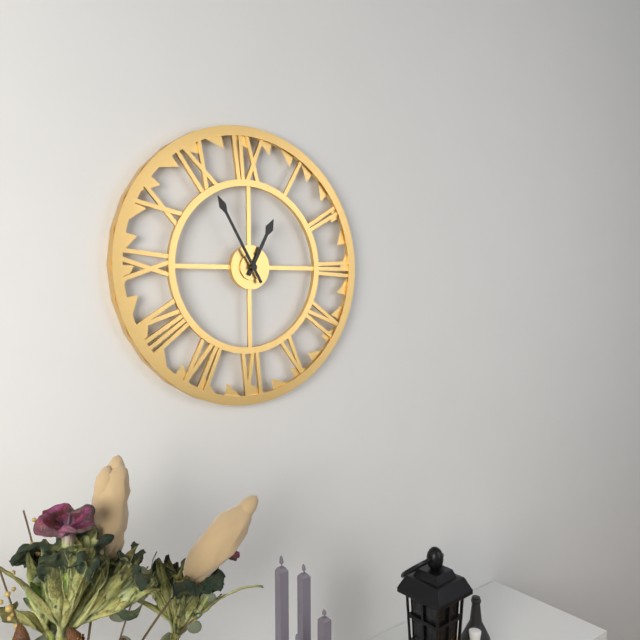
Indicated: 12 h 55 min
